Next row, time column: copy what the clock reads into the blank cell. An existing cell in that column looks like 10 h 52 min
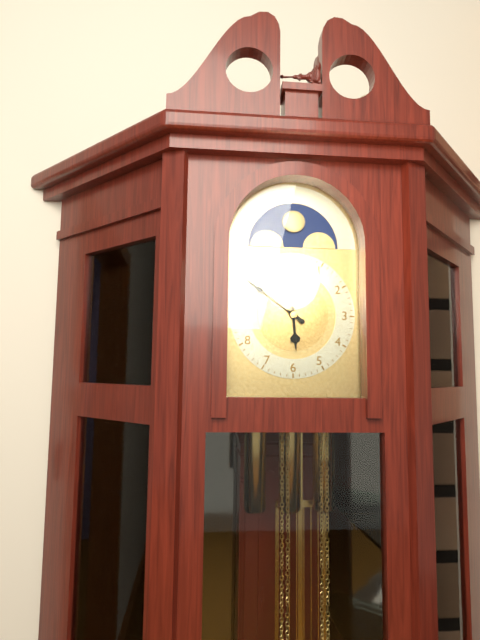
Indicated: 5 h 51 min
